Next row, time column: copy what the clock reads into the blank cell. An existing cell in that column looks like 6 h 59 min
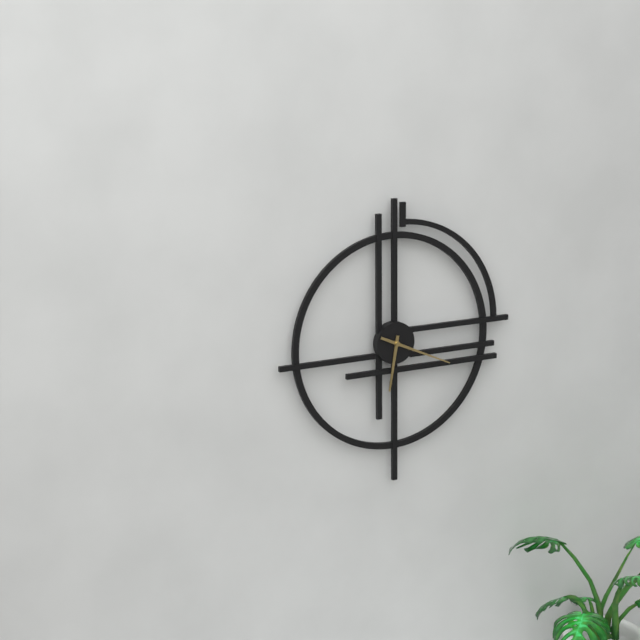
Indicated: 6 h 19 min
